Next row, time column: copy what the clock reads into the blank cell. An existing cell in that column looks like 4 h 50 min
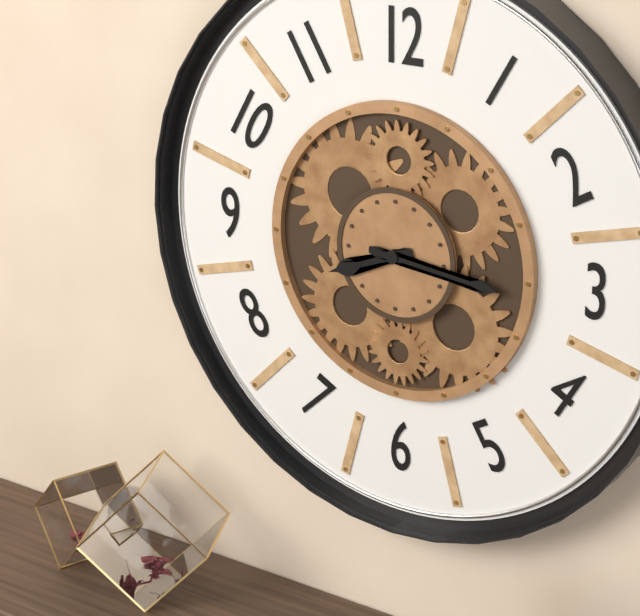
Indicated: 8 h 16 min
